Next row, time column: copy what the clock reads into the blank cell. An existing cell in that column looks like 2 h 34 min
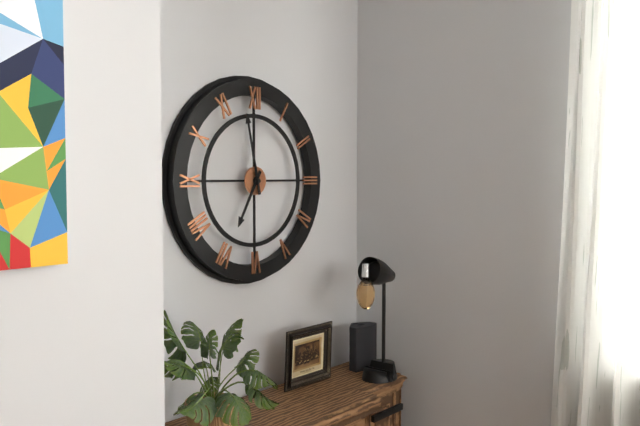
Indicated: 6 h 58 min
